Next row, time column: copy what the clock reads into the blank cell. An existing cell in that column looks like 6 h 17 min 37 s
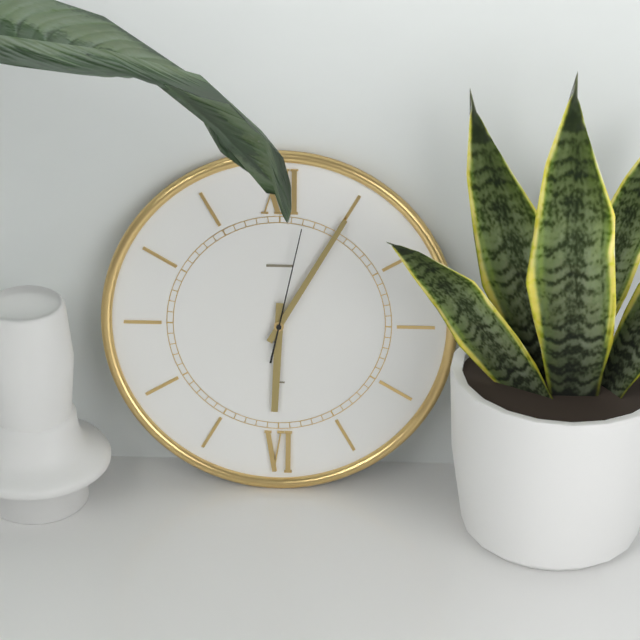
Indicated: 6 h 05 min 02 s
